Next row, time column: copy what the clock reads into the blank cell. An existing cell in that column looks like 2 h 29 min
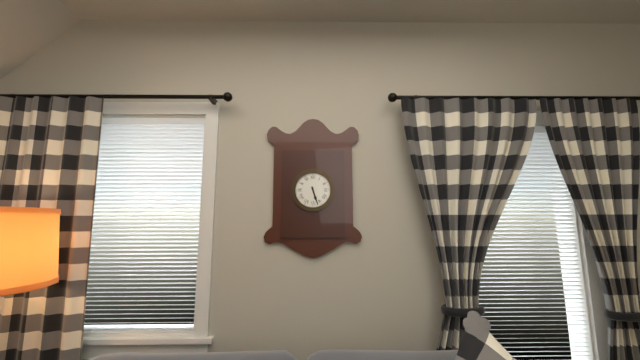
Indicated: 5 h 27 min
